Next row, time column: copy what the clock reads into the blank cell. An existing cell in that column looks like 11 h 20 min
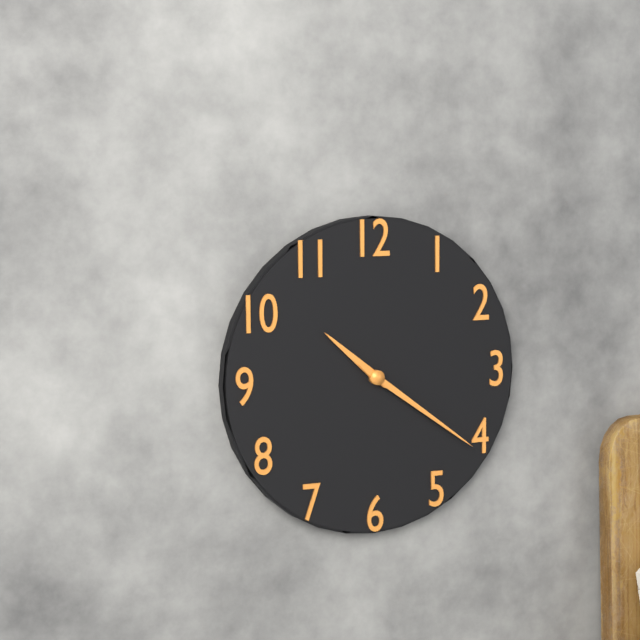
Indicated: 10 h 21 min
